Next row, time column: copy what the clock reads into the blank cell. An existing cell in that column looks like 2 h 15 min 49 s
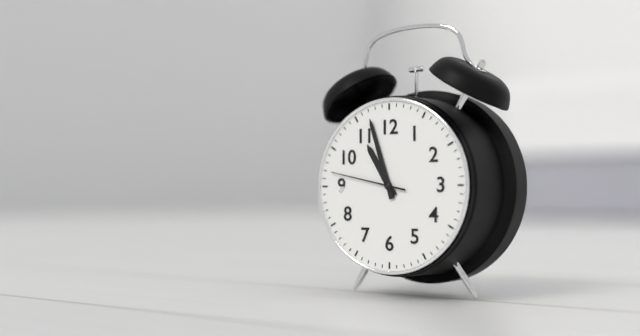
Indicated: 10 h 57 min 47 s
